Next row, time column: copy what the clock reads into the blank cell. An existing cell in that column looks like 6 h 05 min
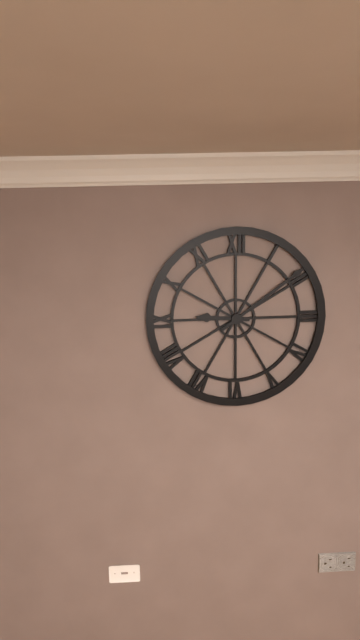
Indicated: 9 h 09 min
